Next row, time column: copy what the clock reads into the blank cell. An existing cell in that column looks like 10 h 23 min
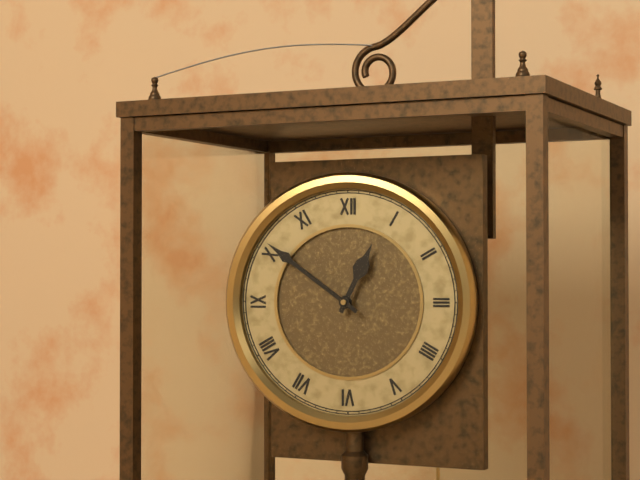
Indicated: 12 h 51 min
